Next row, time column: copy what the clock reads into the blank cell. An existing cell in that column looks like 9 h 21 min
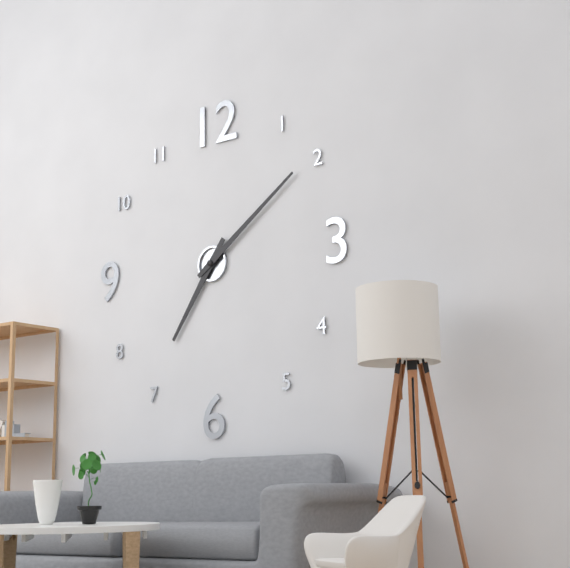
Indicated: 7 h 09 min
